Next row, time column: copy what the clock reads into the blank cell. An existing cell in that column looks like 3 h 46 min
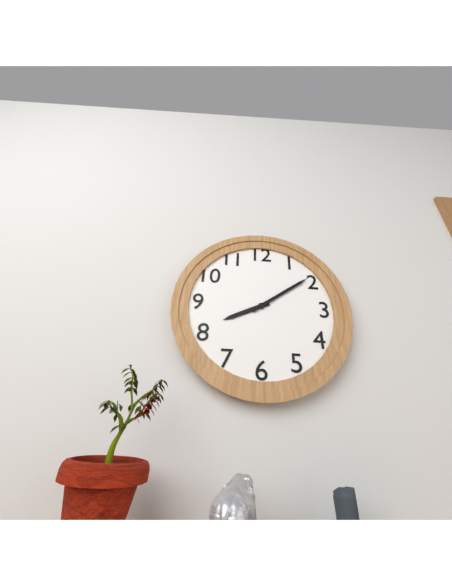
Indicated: 8 h 09 min
